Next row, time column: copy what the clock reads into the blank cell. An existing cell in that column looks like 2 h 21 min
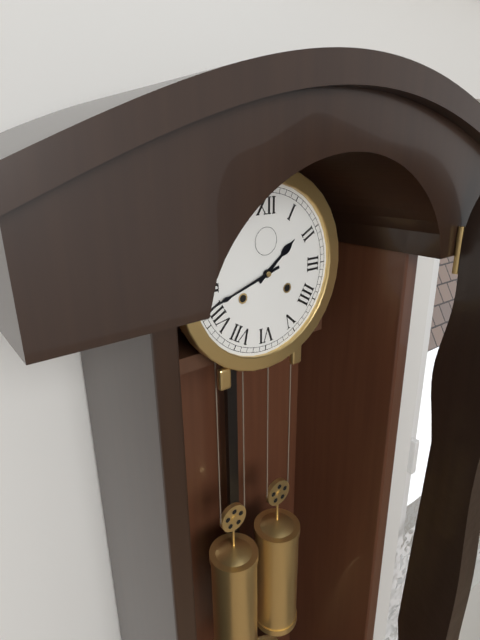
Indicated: 1 h 42 min
